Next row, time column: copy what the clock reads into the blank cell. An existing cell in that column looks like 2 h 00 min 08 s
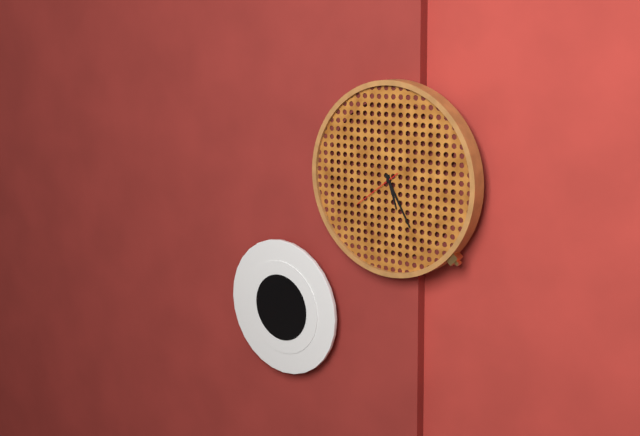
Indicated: 5 h 25 min 39 s
